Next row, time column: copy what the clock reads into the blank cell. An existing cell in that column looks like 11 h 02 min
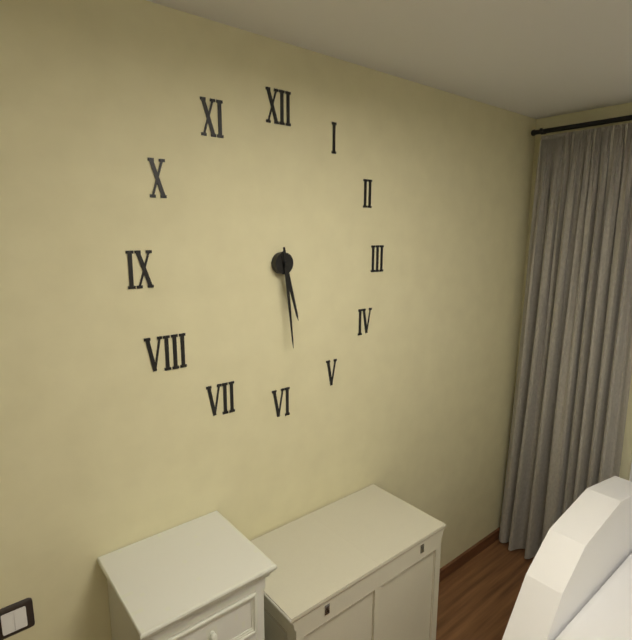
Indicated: 5 h 29 min
